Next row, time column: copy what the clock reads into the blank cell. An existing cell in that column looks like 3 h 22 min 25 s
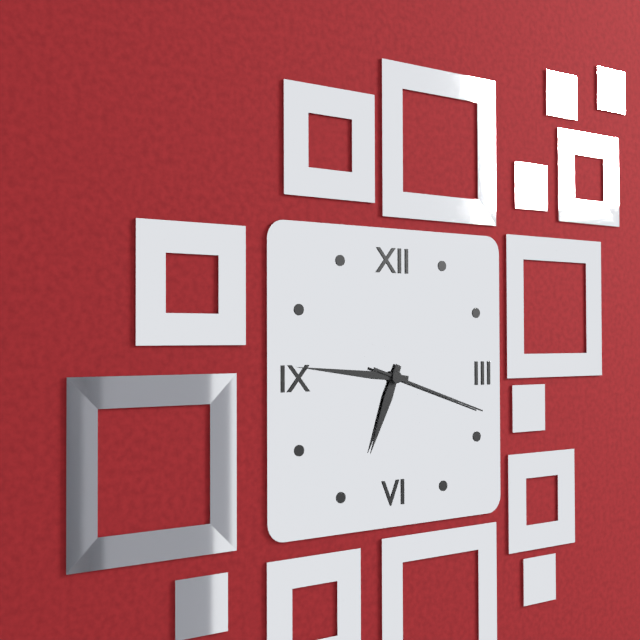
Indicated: 6 h 46 min 18 s
